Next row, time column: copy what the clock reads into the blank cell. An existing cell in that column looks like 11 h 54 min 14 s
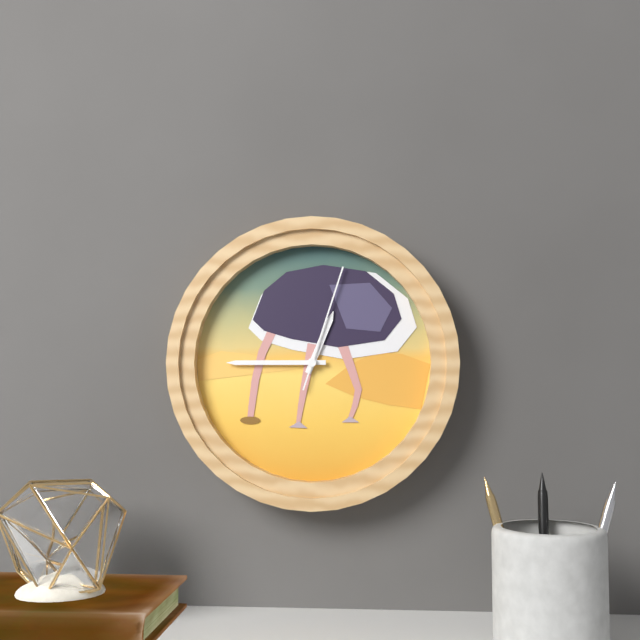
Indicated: 12 h 45 min 03 s
